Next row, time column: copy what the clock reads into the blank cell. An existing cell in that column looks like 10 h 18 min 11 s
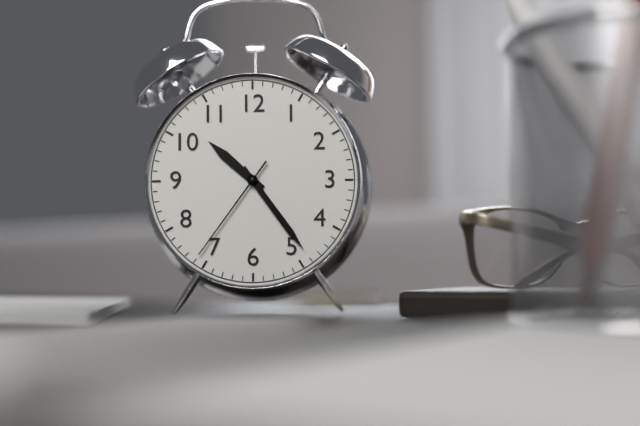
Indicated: 10 h 24 min 36 s
